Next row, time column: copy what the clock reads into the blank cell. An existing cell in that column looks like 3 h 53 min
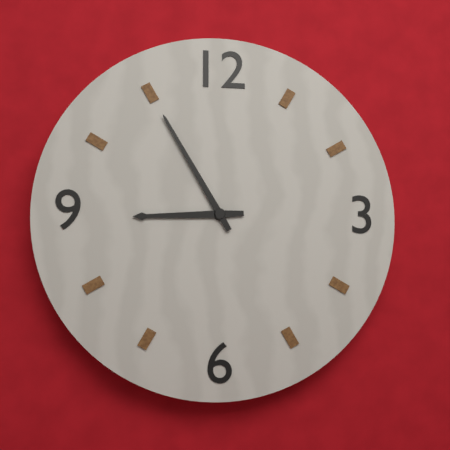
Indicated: 8 h 55 min
